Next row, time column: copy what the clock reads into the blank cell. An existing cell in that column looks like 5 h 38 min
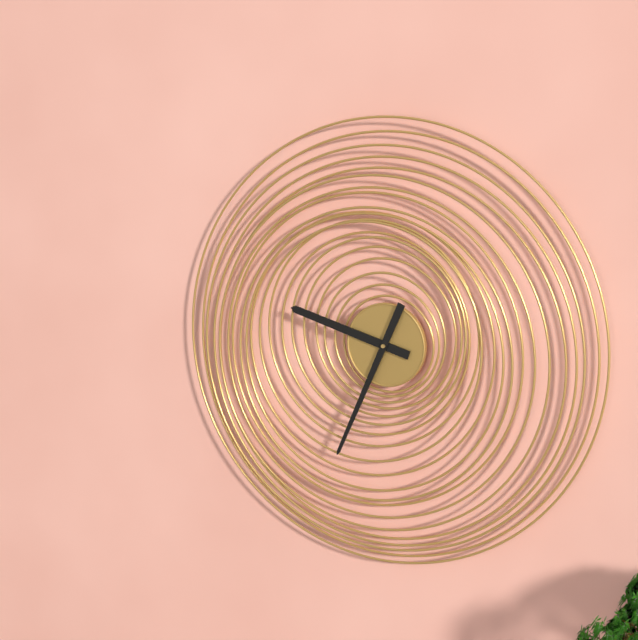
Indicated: 9 h 34 min
